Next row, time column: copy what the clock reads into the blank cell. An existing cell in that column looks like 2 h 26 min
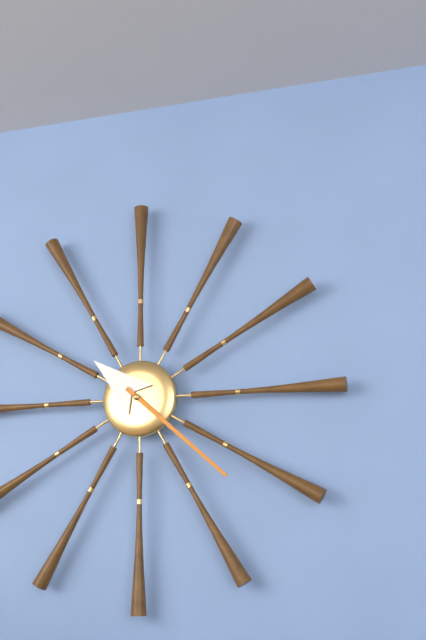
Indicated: 10 h 22 min
